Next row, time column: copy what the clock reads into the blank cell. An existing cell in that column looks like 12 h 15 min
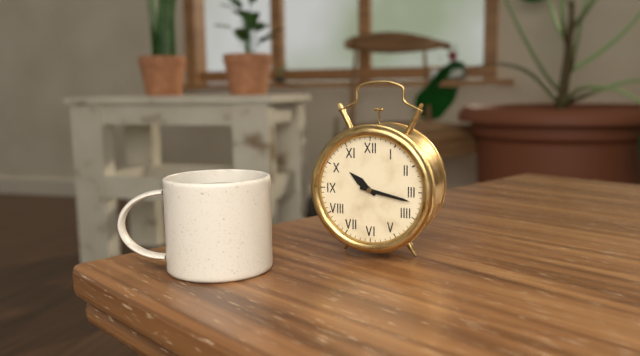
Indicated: 10 h 17 min
